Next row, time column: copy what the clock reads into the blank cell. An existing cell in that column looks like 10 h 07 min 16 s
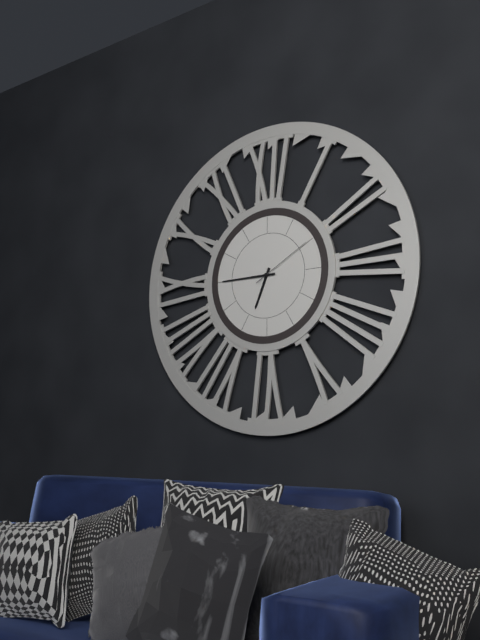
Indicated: 6 h 45 min 10 s
